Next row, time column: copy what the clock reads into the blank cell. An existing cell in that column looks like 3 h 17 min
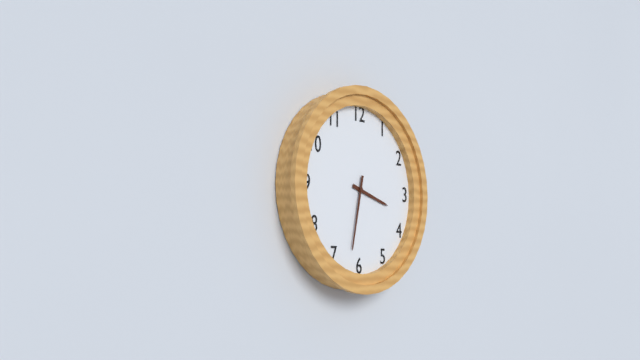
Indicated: 3 h 32 min
